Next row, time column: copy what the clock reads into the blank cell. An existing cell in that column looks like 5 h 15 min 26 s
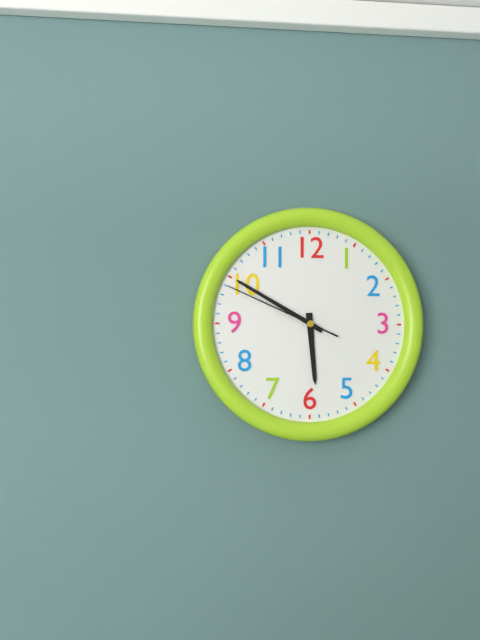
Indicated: 5 h 50 min 49 s
